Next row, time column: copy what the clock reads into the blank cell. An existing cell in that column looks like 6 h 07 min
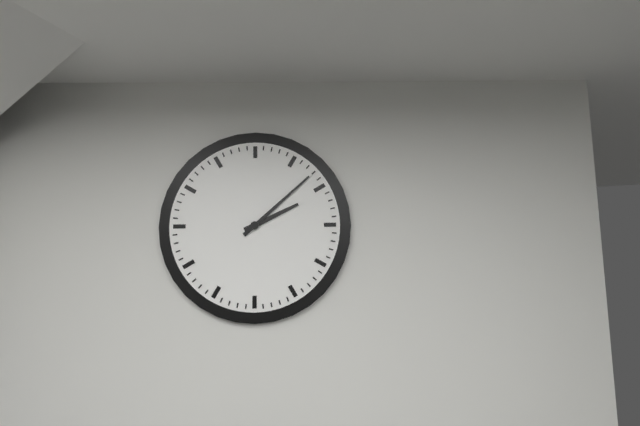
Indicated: 2 h 08 min
